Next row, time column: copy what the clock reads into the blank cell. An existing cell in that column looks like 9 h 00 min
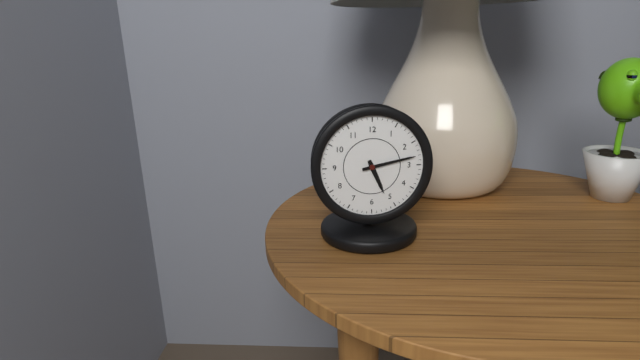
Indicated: 5 h 13 min
